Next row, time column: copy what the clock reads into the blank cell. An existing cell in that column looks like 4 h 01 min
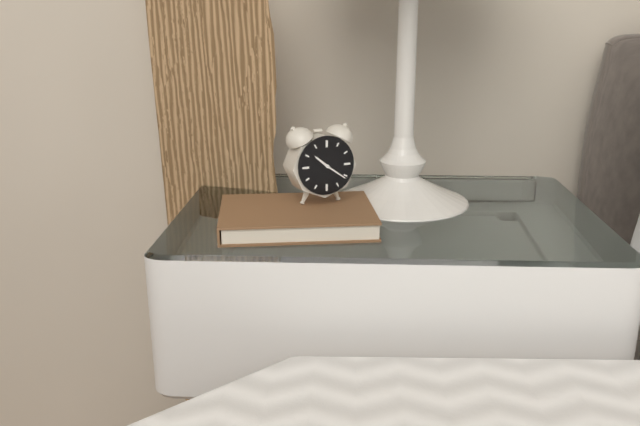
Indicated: 10 h 21 min
